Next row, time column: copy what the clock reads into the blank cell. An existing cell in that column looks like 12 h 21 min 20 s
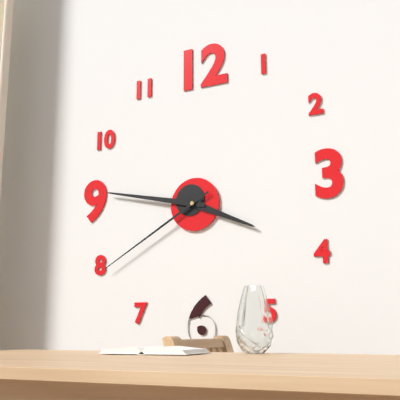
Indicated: 3 h 47 min 40 s
